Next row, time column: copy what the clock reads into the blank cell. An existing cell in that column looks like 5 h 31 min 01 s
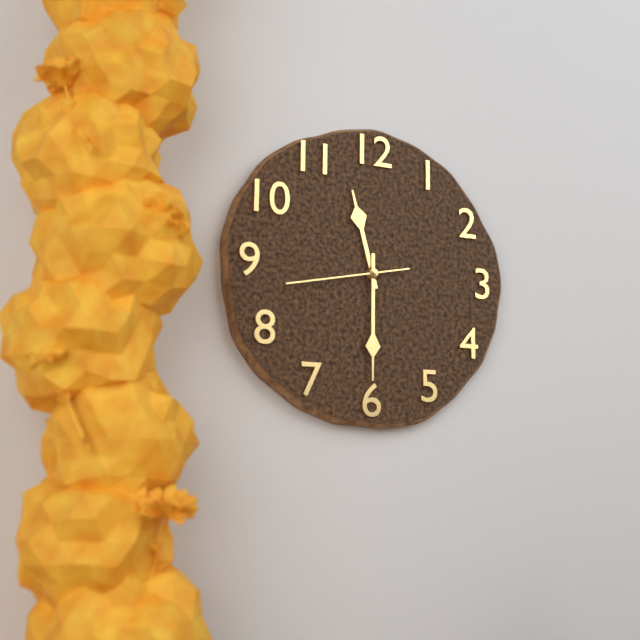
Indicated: 11 h 30 min 43 s
